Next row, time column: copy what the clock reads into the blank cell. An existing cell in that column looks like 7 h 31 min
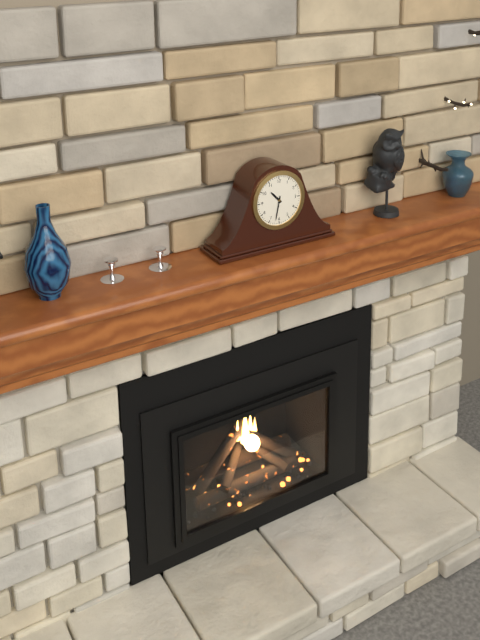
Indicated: 10 h 32 min
